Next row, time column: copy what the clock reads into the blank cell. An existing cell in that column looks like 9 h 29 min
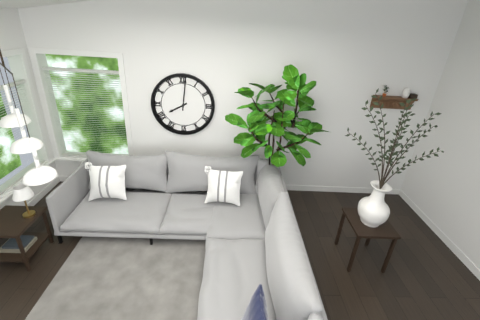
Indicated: 8 h 01 min
